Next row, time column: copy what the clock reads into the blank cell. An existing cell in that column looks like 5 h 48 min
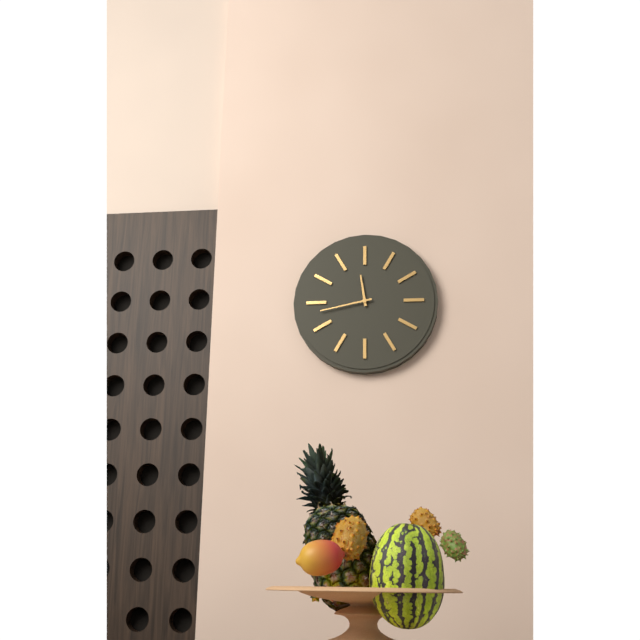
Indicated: 11 h 43 min
